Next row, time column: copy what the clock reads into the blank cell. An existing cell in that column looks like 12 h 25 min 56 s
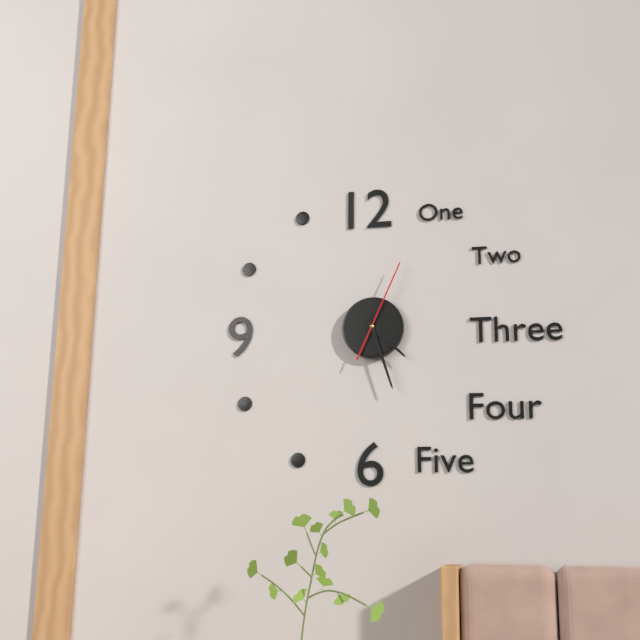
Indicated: 4 h 27 min 04 s
